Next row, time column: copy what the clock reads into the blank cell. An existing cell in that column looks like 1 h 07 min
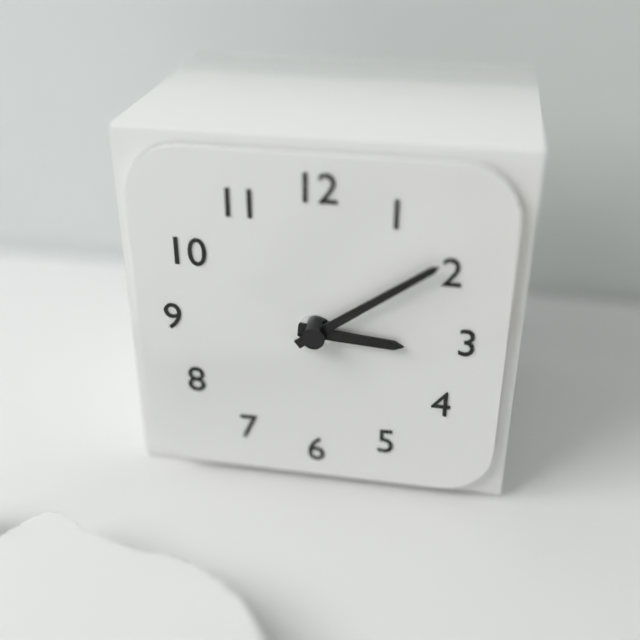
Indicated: 3 h 09 min
